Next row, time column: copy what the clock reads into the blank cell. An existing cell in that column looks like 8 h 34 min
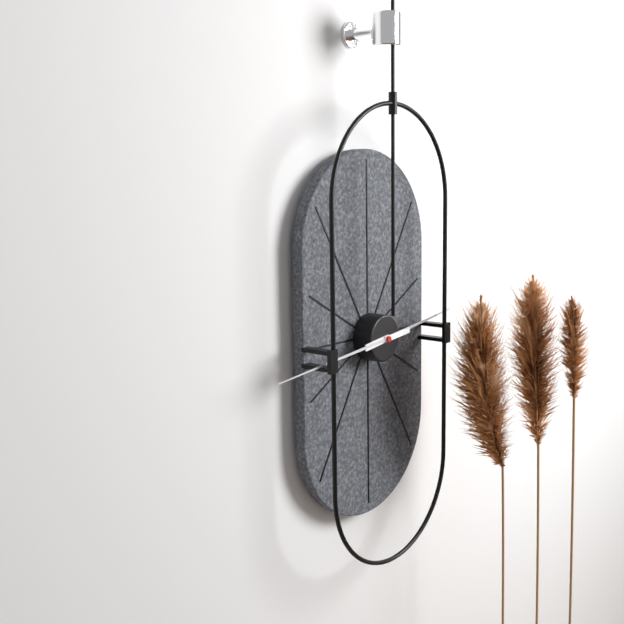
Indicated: 2 h 44 min
